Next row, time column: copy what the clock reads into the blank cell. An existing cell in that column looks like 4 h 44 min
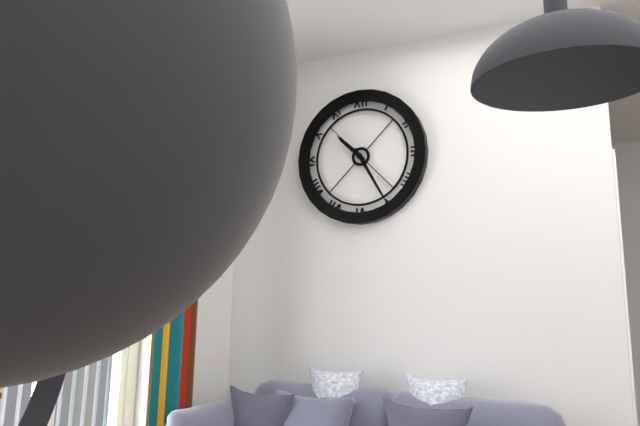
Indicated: 10 h 25 min
